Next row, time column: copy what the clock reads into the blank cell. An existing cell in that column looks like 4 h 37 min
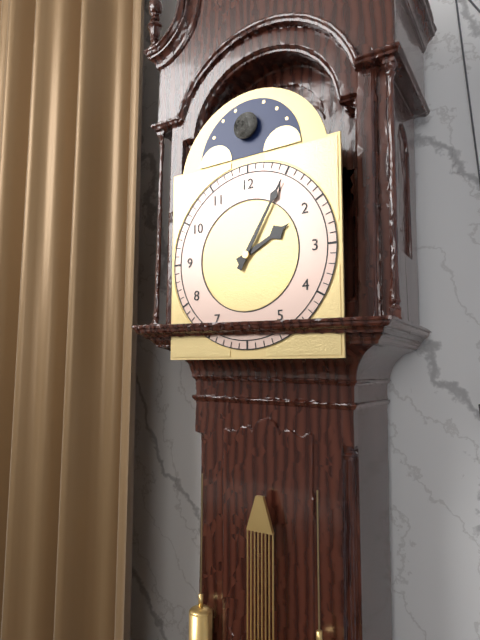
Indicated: 2 h 05 min
